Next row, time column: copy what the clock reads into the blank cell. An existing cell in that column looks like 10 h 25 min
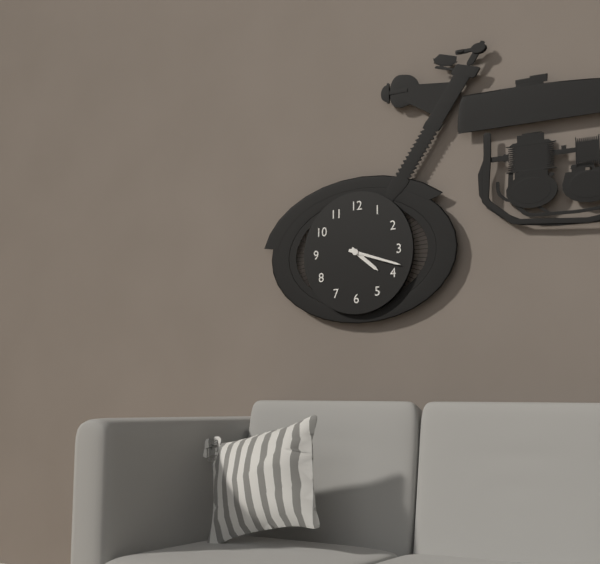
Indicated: 4 h 18 min
